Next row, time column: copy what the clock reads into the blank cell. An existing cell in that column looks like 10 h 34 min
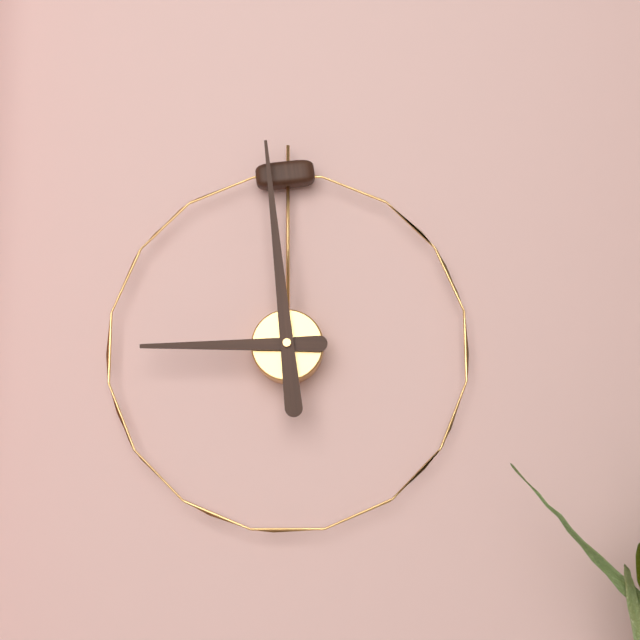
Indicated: 8 h 59 min
